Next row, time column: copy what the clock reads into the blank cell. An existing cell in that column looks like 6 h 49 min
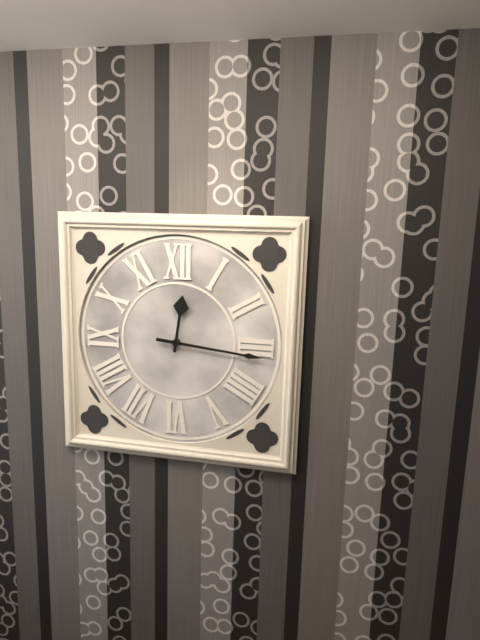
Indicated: 12 h 16 min
